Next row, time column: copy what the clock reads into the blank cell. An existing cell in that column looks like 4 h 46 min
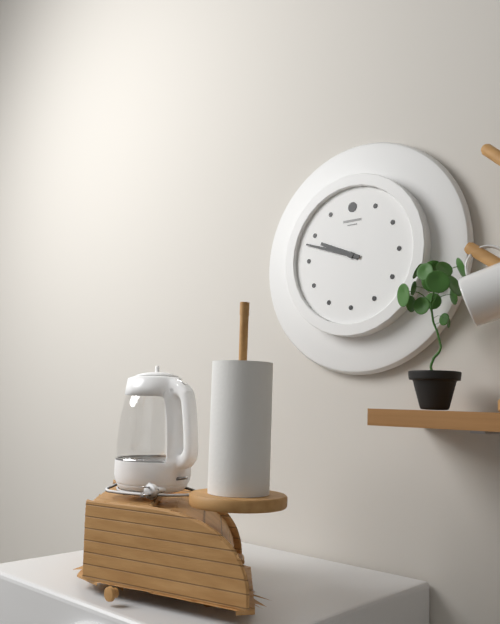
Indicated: 9 h 48 min
